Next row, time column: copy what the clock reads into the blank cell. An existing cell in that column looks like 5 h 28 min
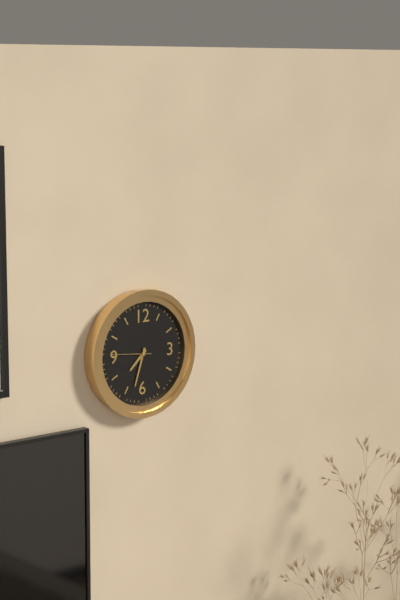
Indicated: 7 h 33 min
